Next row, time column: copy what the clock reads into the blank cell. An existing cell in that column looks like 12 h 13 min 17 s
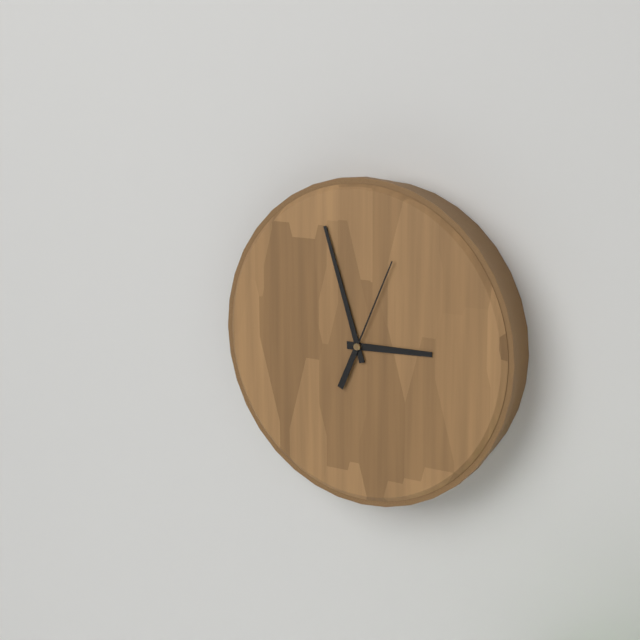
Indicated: 2 h 57 min 04 s
